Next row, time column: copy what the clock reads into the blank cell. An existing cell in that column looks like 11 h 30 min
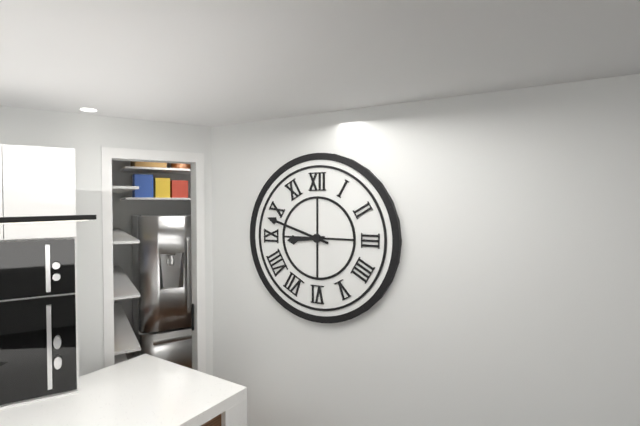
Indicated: 8 h 48 min
